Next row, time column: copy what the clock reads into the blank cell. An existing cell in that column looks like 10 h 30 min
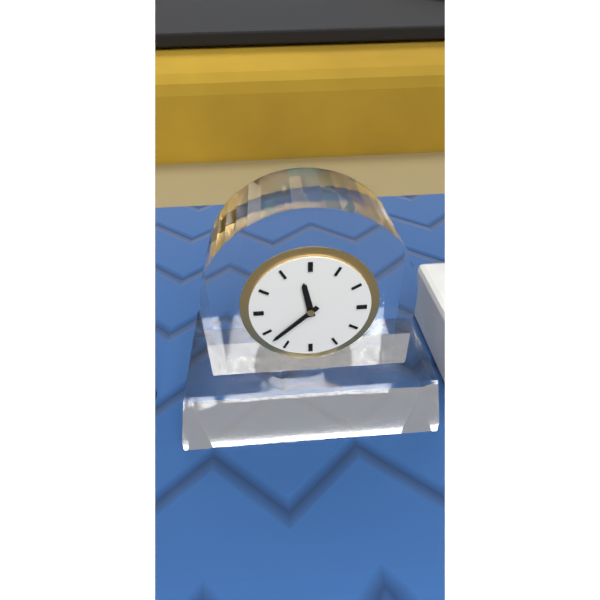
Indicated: 11 h 38 min
